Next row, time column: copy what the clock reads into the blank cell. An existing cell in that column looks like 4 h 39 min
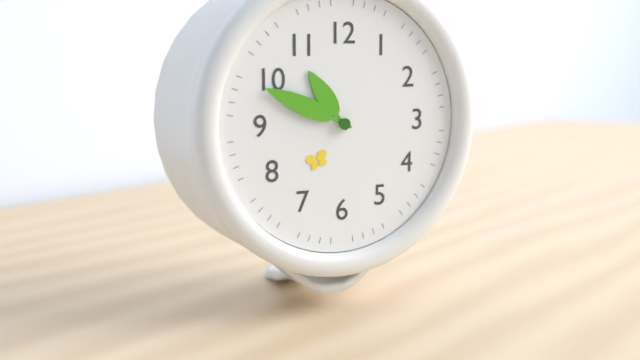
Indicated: 10 h 49 min
